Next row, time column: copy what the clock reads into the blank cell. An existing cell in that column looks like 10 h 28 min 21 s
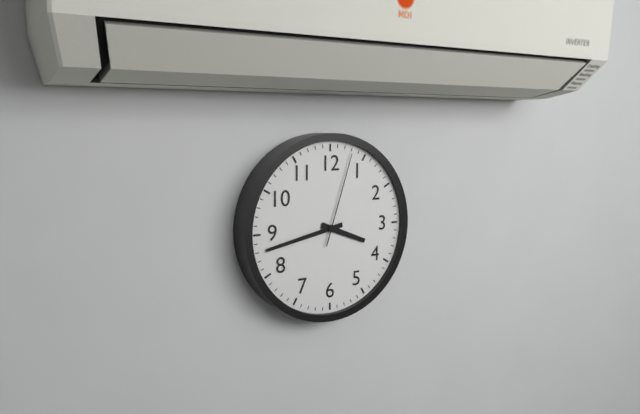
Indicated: 3 h 43 min 03 s
